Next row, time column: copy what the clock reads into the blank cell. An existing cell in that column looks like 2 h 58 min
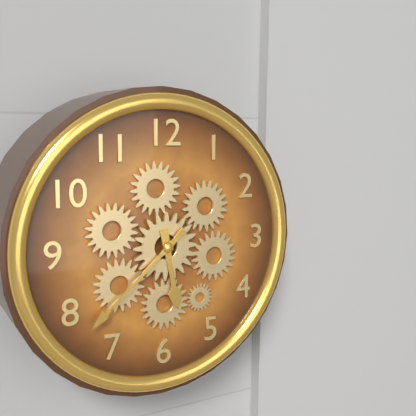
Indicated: 5 h 38 min
